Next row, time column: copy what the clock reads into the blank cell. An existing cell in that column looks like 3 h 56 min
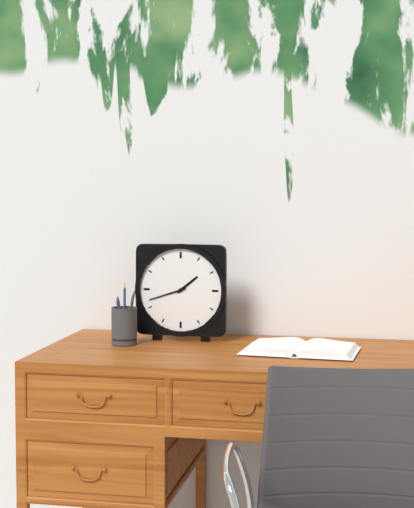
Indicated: 1 h 42 min
